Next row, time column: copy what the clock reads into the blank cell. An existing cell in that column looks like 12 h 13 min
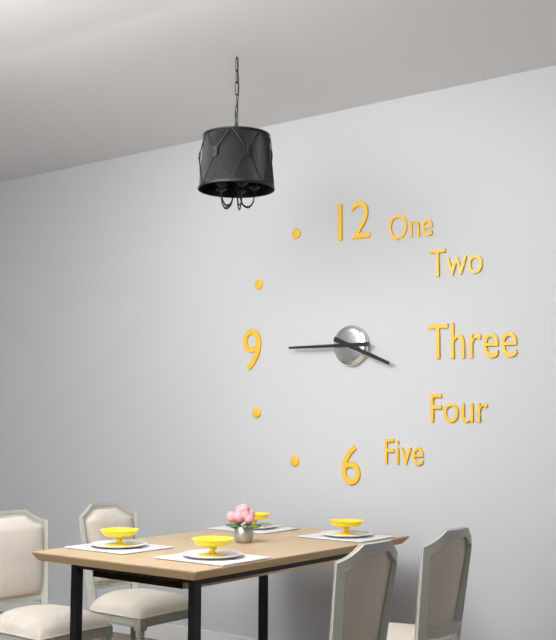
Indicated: 3 h 45 min
